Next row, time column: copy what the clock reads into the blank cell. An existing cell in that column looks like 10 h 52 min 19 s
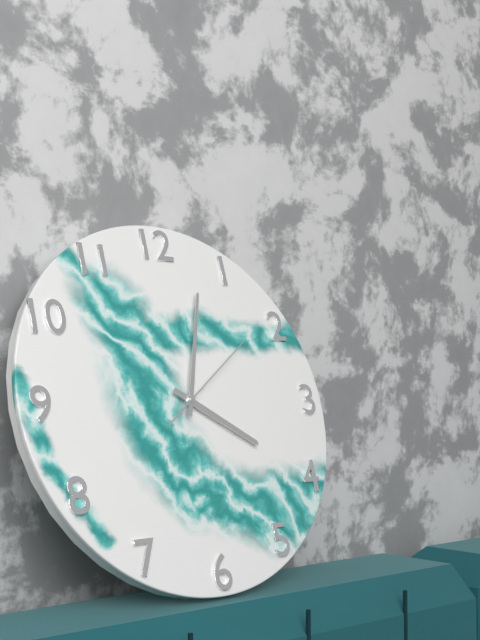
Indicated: 4 h 03 min 09 s
